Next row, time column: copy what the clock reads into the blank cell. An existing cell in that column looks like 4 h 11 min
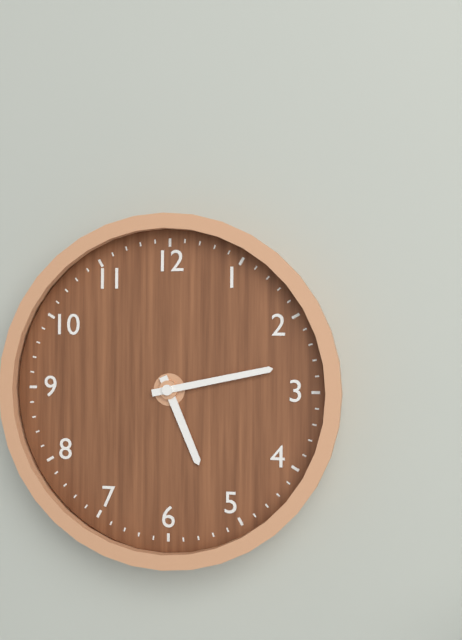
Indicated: 5 h 13 min
